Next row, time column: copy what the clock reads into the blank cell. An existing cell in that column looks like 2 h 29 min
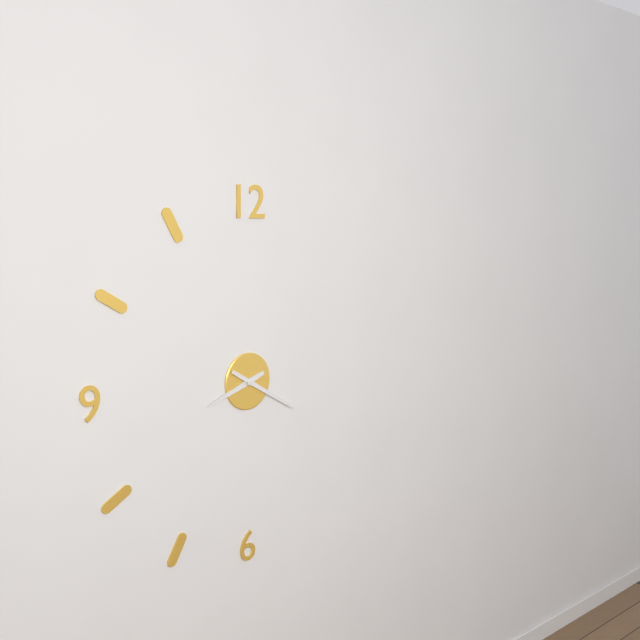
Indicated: 8 h 20 min
